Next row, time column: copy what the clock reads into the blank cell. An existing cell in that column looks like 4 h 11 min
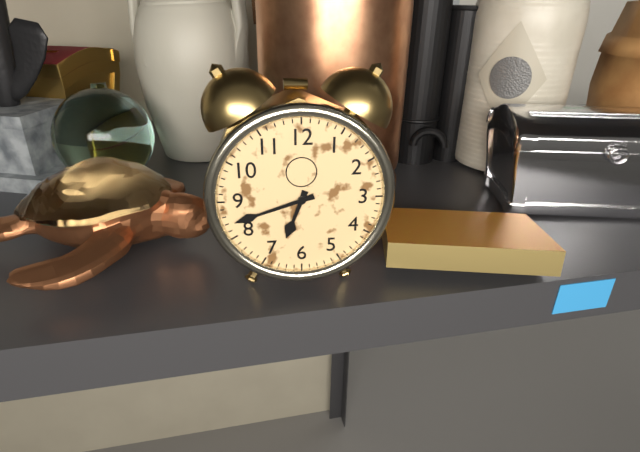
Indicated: 6 h 42 min
